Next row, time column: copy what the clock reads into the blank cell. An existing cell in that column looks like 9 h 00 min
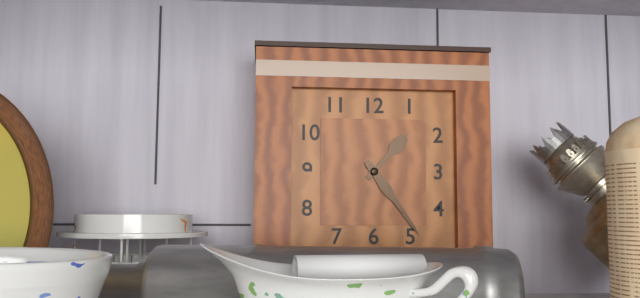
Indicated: 1 h 24 min
